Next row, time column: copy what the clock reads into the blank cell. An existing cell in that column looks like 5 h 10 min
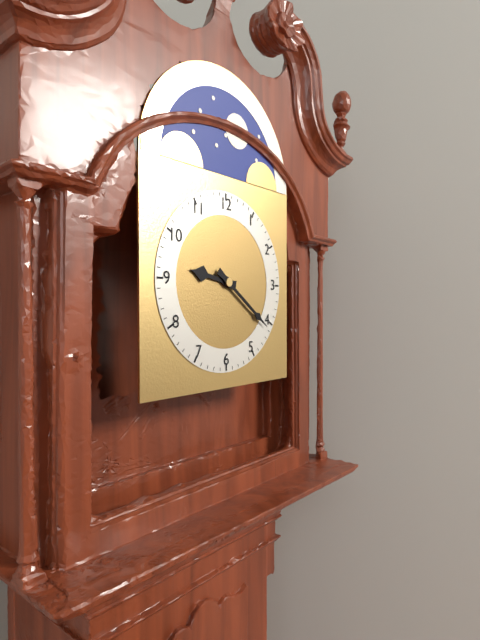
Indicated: 9 h 21 min
